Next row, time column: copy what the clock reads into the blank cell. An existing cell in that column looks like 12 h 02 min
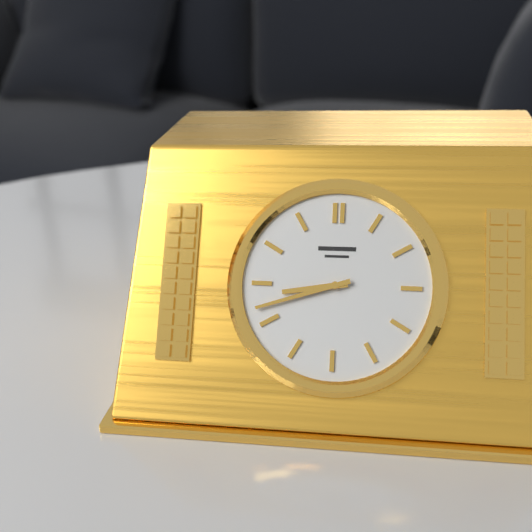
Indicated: 8 h 42 min
